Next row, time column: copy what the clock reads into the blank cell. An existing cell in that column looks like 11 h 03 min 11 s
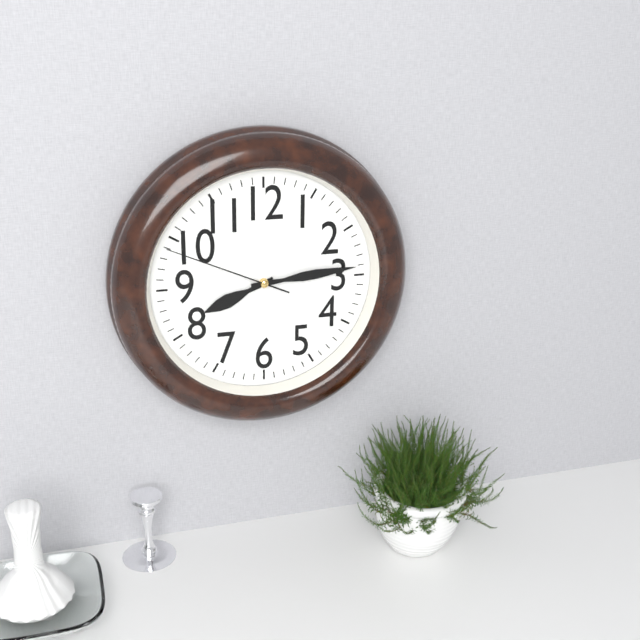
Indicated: 8 h 14 min 49 s
